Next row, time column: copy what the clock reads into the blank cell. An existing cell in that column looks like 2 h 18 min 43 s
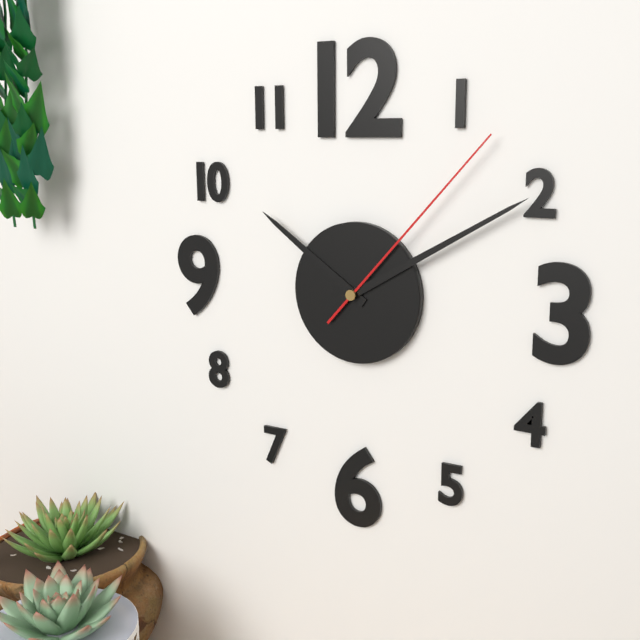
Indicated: 10 h 10 min 07 s
